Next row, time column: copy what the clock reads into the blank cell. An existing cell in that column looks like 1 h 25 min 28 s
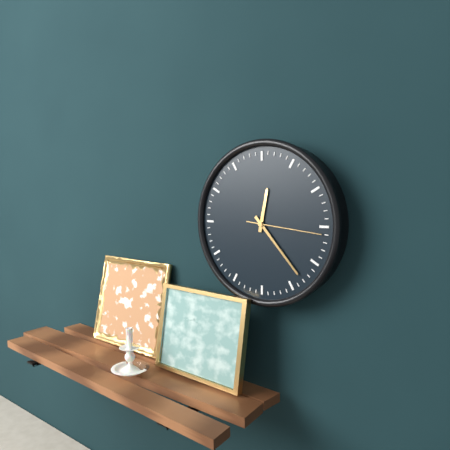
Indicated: 12 h 23 min 16 s
